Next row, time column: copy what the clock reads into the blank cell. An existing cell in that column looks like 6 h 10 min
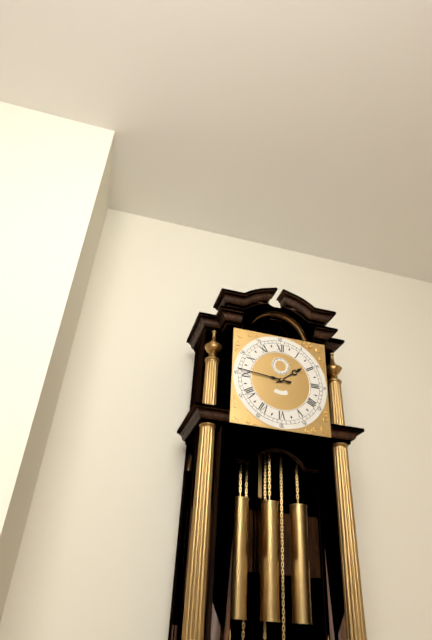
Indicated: 1 h 46 min
